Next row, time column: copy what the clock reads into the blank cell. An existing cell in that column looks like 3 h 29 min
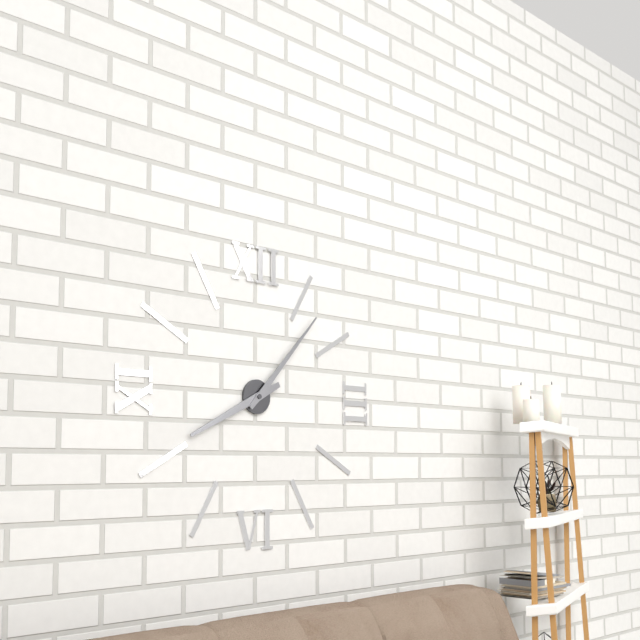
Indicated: 8 h 07 min
